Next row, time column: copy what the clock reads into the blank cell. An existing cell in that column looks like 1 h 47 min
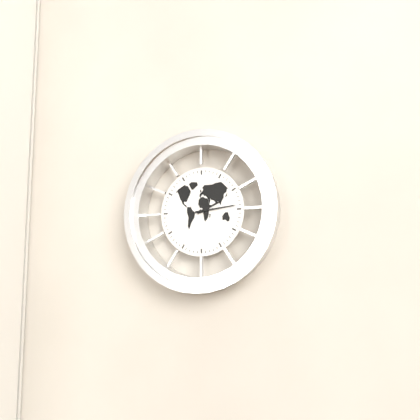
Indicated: 2 h 14 min
